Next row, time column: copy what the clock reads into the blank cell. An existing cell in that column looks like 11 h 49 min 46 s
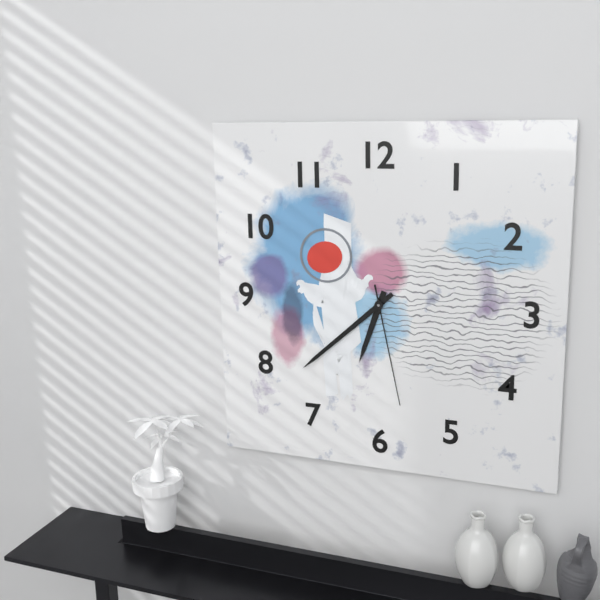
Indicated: 6 h 38 min 28 s
